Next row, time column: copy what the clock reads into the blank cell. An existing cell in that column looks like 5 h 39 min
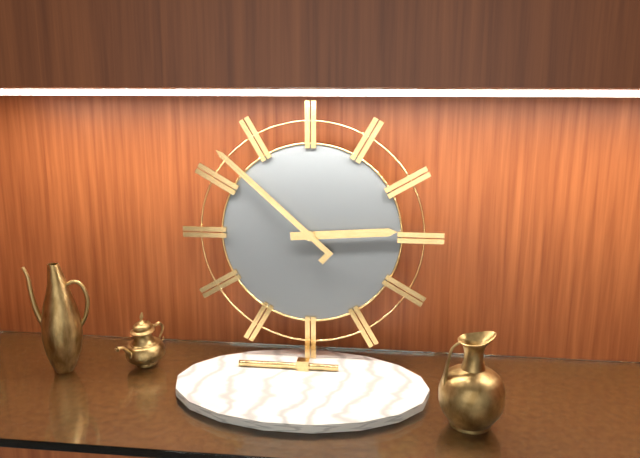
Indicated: 2 h 52 min
